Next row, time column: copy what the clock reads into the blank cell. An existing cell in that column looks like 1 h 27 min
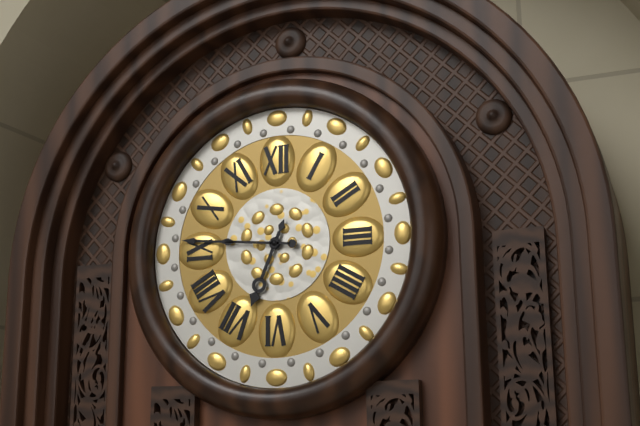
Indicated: 6 h 46 min
